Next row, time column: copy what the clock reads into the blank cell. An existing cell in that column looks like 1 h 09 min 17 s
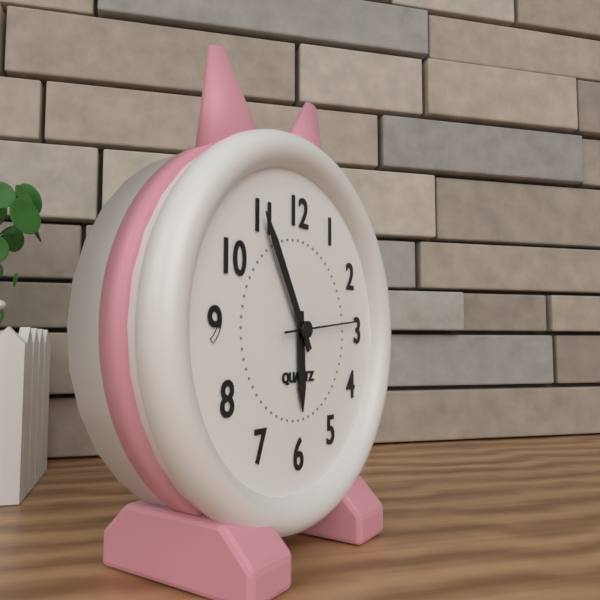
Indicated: 5 h 55 min 14 s
